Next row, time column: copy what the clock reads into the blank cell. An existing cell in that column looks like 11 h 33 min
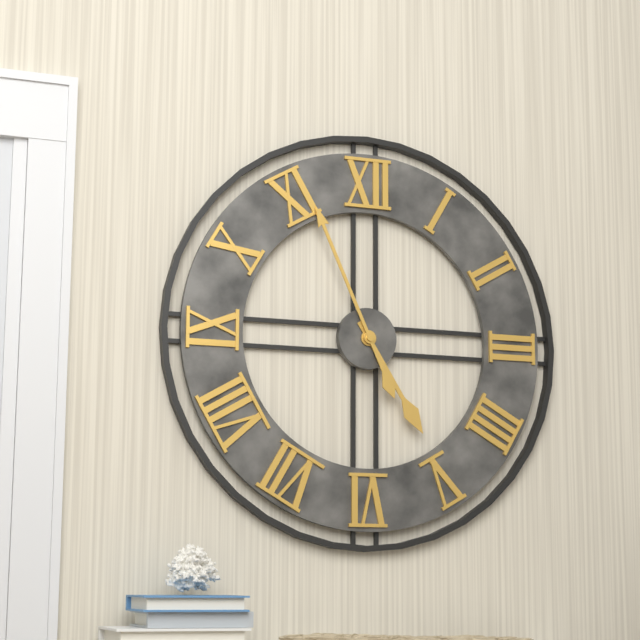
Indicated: 4 h 56 min
